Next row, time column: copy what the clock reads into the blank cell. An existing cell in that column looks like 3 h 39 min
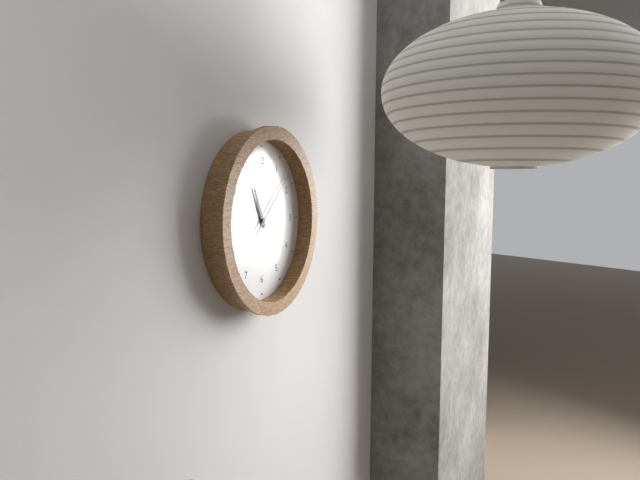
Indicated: 11 h 08 min
